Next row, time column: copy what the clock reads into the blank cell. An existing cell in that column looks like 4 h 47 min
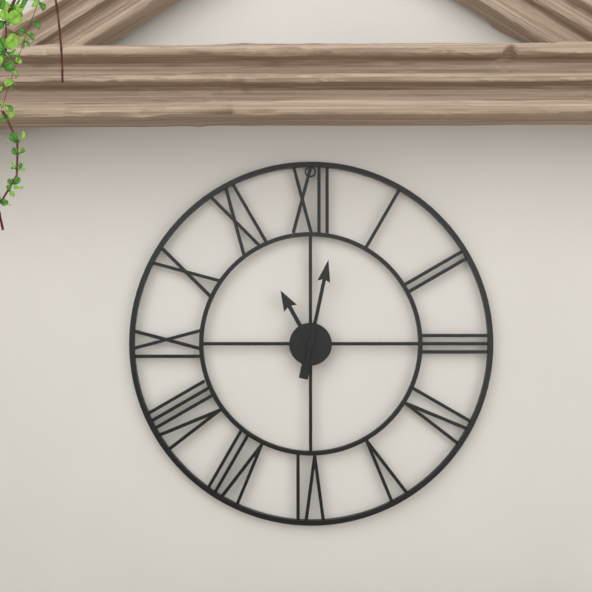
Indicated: 11 h 02 min
